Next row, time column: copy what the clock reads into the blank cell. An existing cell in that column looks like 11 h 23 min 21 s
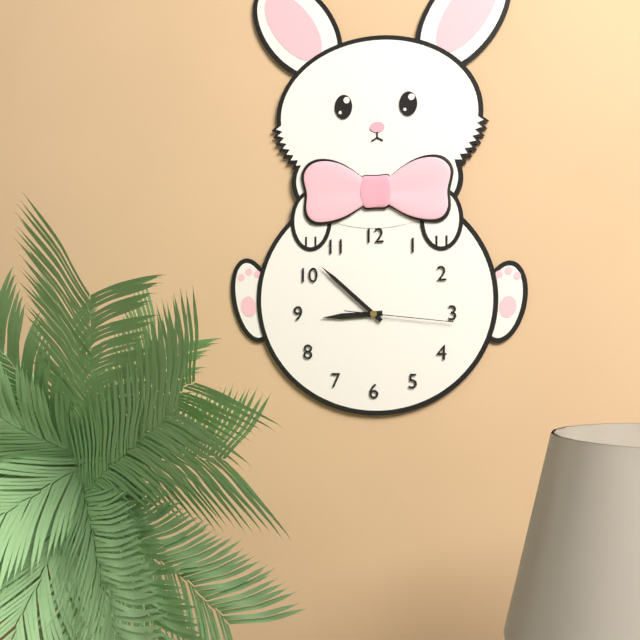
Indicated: 8 h 52 min 16 s
